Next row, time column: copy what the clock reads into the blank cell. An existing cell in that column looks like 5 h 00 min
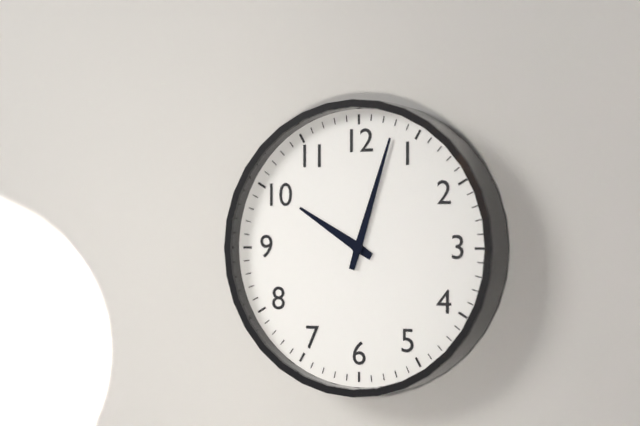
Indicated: 10 h 03 min
